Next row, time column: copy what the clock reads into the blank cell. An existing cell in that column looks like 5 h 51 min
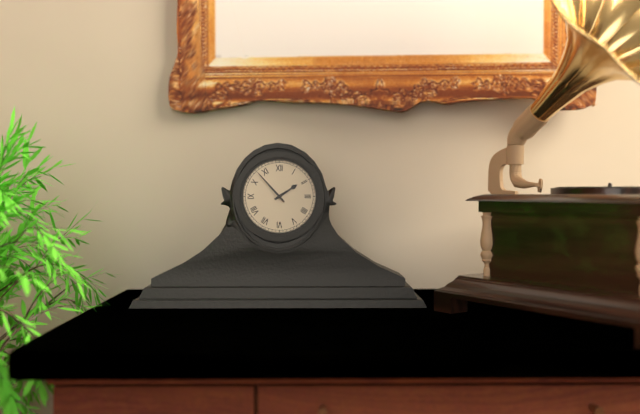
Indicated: 1 h 53 min
